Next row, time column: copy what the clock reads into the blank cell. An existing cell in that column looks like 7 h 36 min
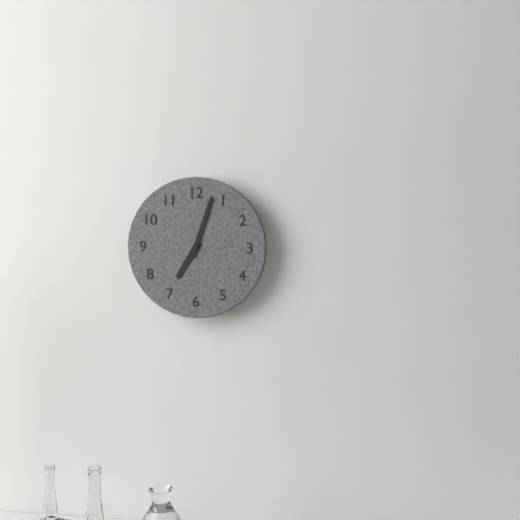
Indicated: 7 h 03 min
